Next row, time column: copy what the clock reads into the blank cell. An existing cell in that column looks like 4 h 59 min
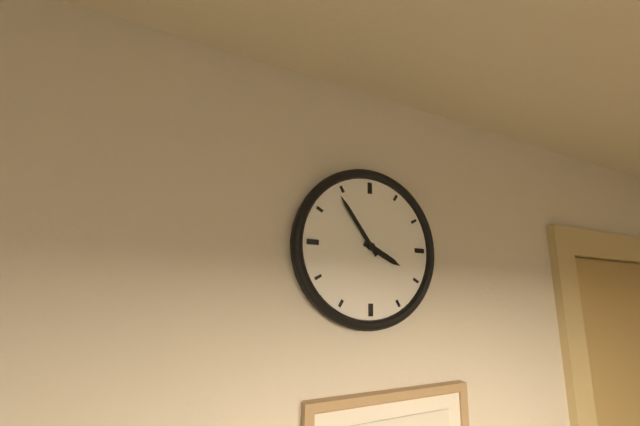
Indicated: 3 h 54 min
